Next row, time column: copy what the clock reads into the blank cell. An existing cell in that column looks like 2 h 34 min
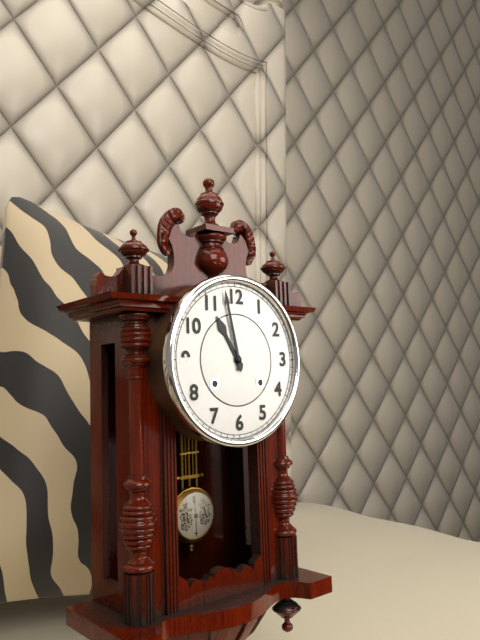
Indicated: 10 h 58 min
